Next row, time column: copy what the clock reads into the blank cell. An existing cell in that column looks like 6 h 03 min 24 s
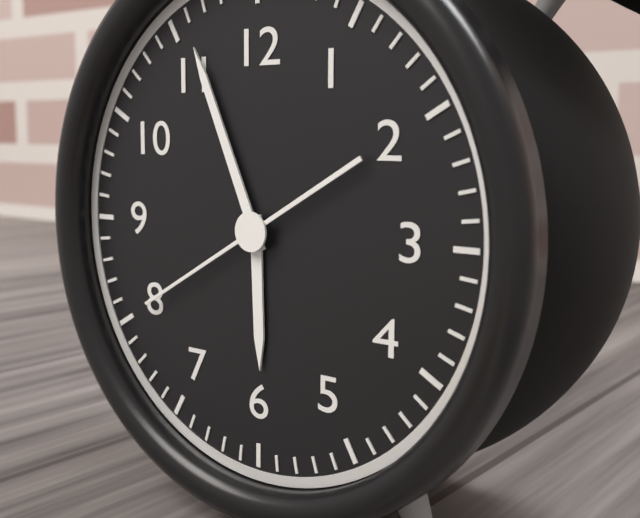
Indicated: 5 h 56 min 40 s
